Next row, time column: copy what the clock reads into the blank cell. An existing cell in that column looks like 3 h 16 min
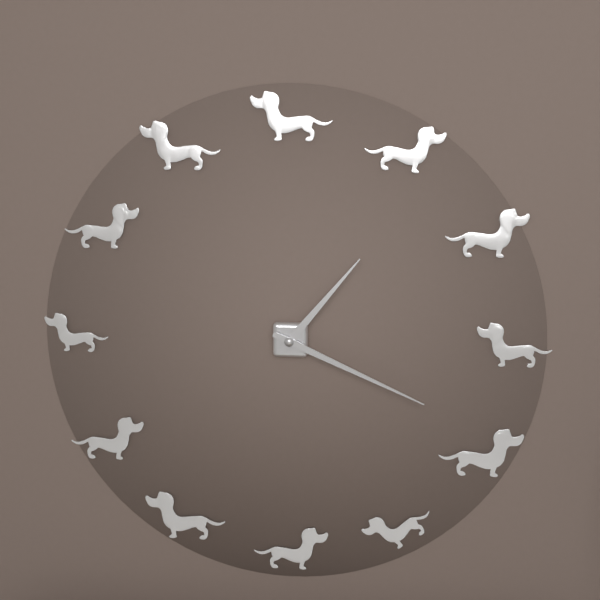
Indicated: 1 h 19 min
